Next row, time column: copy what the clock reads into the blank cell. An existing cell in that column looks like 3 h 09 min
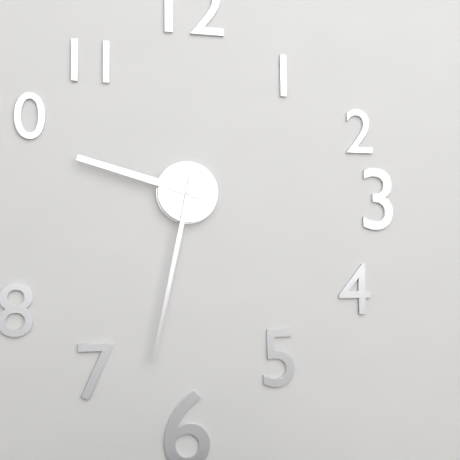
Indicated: 9 h 32 min
